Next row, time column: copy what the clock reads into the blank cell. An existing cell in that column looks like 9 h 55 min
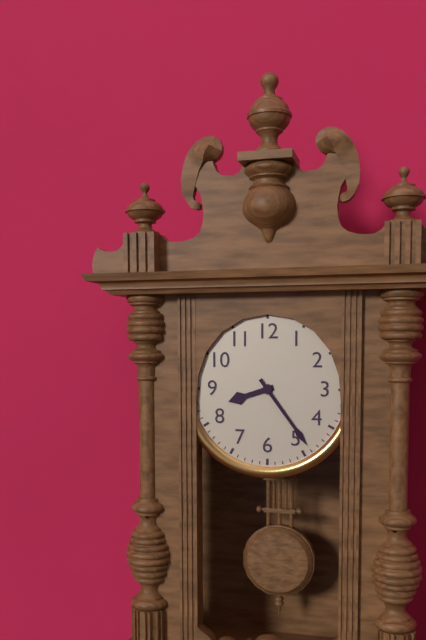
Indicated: 8 h 24 min
